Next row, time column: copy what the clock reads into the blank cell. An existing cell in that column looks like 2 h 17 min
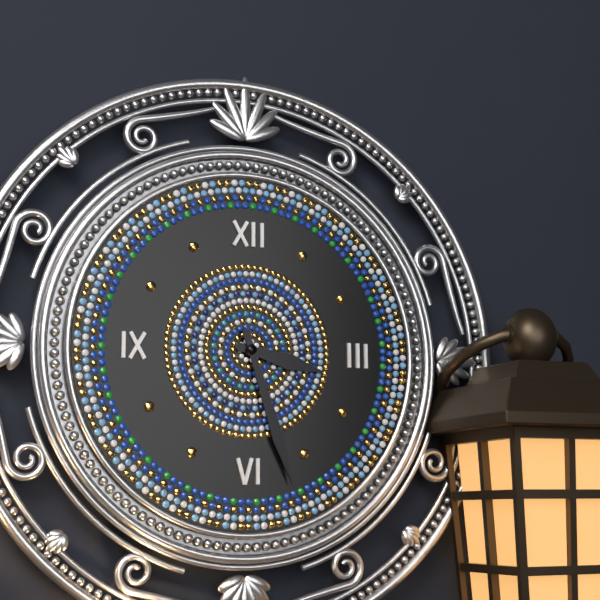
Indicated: 3 h 27 min
